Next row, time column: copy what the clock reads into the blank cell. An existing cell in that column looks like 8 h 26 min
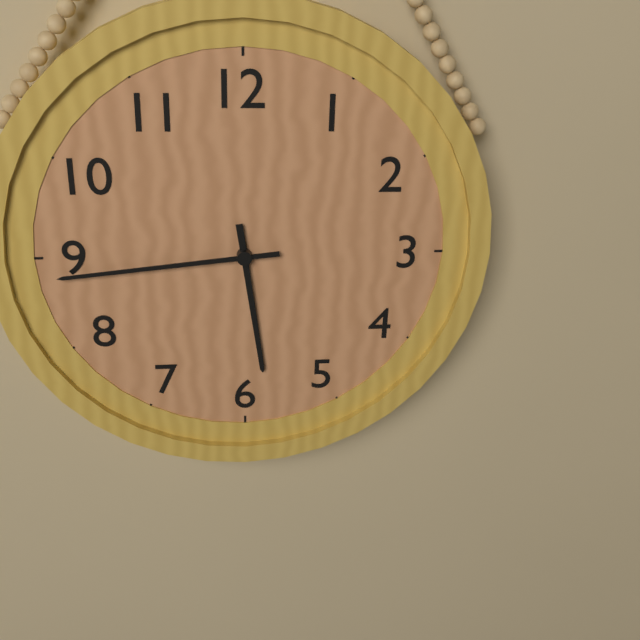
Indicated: 5 h 44 min
